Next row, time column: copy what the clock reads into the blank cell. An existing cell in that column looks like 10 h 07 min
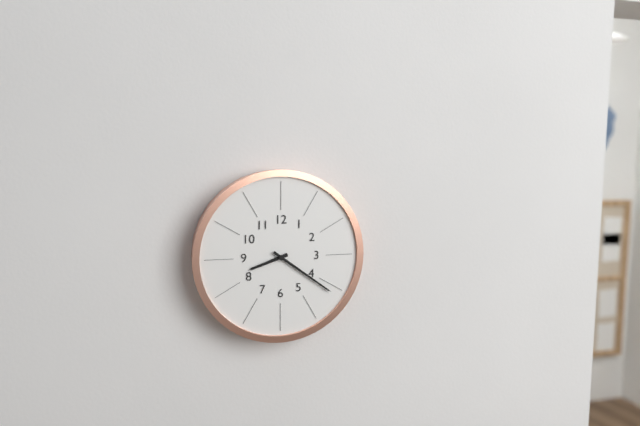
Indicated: 8 h 21 min
